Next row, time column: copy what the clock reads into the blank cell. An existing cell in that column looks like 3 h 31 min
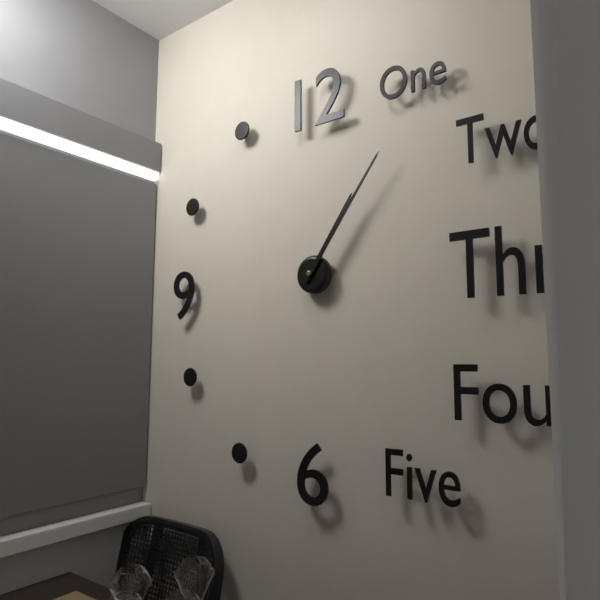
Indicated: 1 h 06 min
